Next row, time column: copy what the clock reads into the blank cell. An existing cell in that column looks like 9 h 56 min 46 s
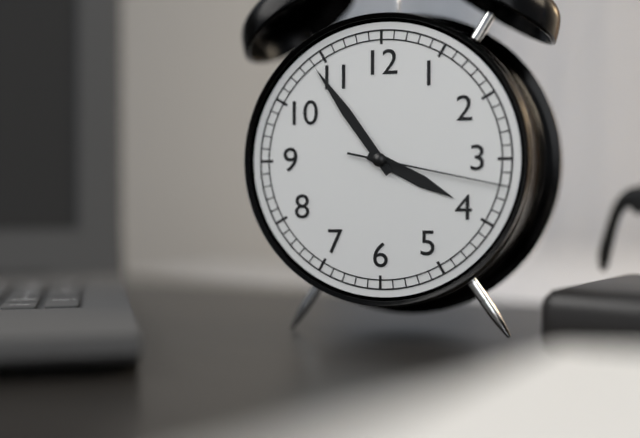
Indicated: 3 h 54 min 17 s
